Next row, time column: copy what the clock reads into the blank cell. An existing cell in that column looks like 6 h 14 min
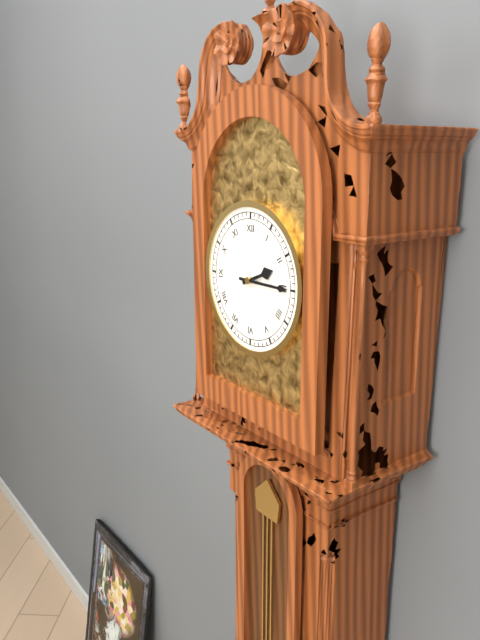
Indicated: 2 h 15 min
